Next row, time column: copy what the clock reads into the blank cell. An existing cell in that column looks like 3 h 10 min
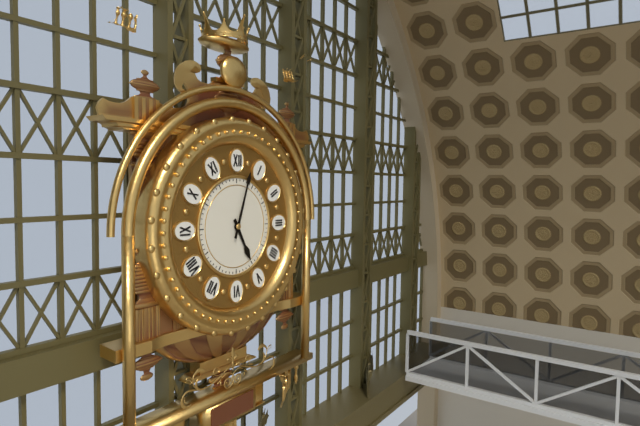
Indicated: 5 h 03 min
